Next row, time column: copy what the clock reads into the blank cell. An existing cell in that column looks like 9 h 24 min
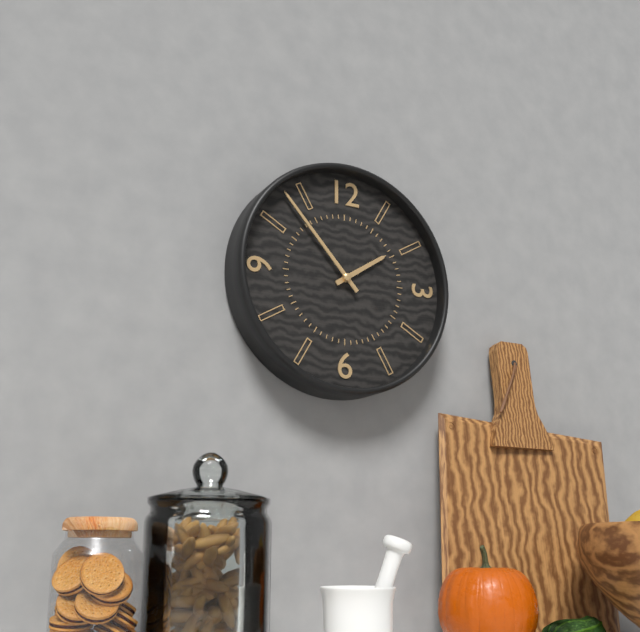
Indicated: 1 h 53 min
